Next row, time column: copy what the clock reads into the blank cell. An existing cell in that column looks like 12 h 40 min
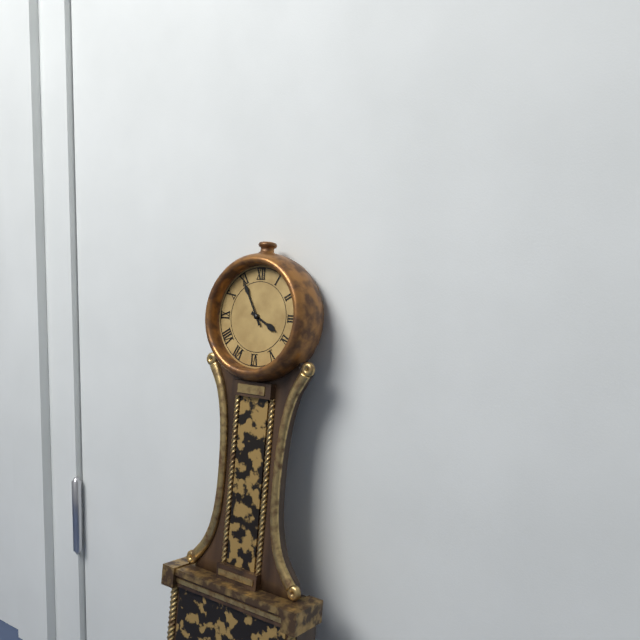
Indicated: 3 h 55 min
